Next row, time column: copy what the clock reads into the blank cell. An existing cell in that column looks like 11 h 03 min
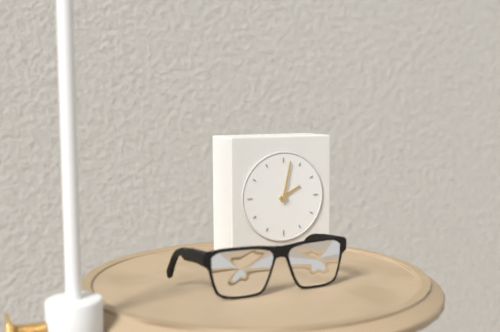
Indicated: 2 h 02 min
